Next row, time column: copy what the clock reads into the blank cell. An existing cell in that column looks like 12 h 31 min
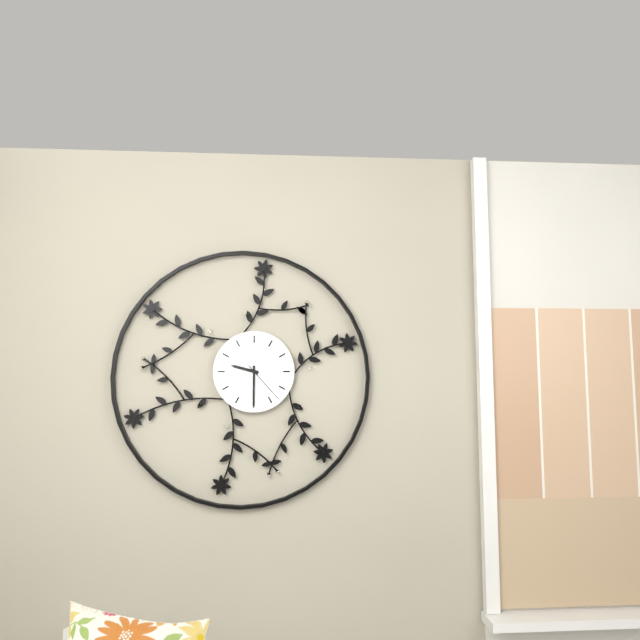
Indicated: 9 h 30 min
